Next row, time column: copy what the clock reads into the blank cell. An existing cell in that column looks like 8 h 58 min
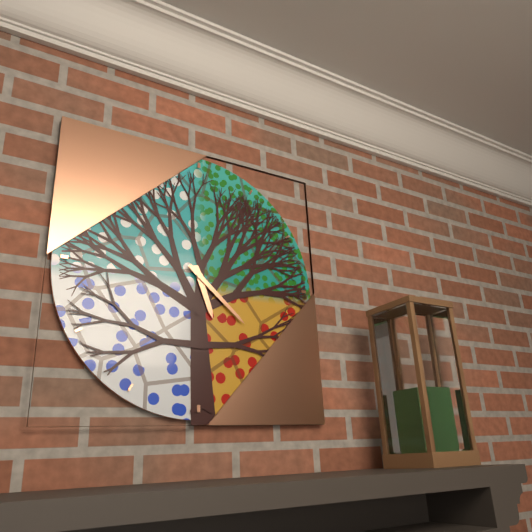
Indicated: 5 h 22 min
